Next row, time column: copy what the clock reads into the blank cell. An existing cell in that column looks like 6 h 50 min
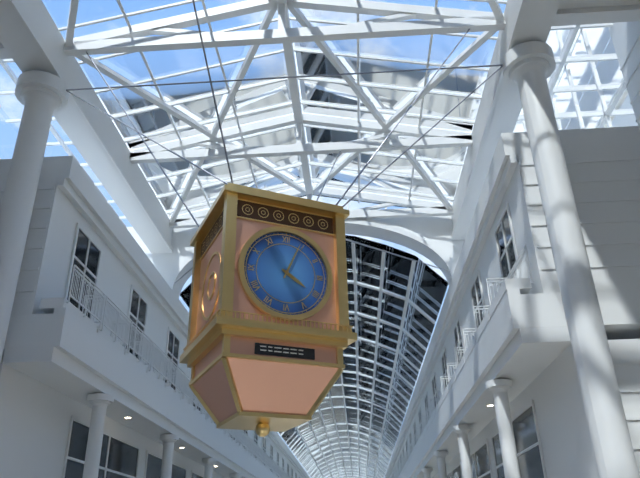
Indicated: 4 h 04 min
